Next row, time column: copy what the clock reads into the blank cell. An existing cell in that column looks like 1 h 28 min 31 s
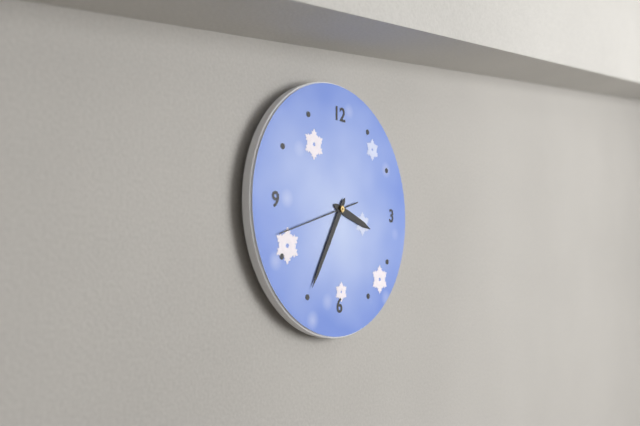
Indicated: 3 h 35 min 42 s
